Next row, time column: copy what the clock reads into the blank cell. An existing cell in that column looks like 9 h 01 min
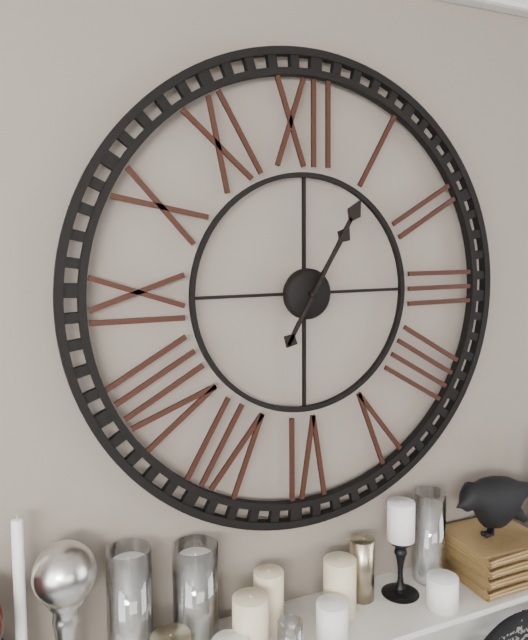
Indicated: 1 h 05 min
